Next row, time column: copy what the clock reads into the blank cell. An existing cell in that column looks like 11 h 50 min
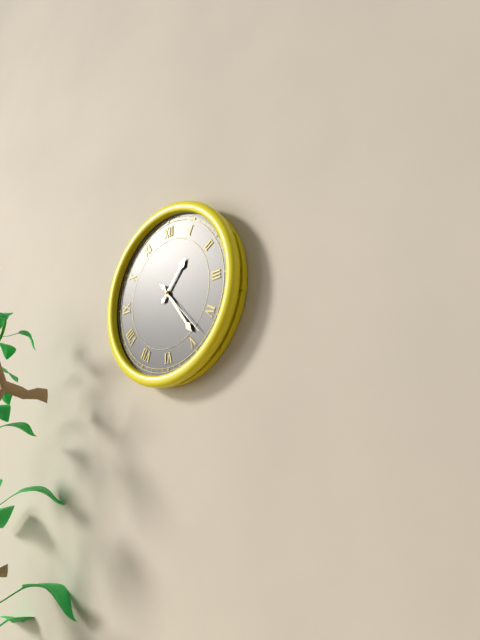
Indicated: 1 h 24 min
